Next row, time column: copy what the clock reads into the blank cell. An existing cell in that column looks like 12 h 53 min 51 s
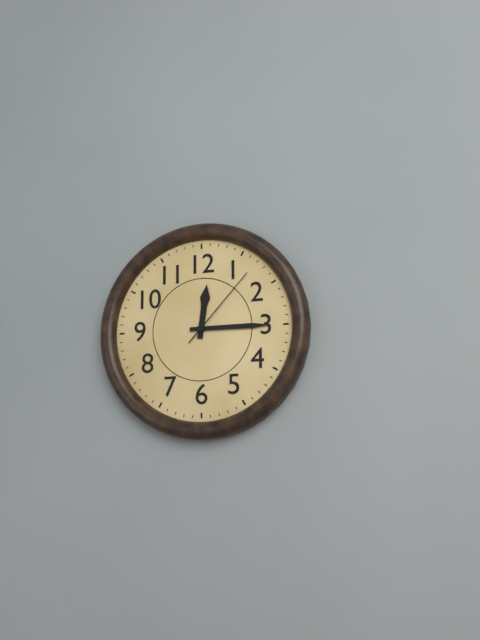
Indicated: 12 h 15 min 07 s
